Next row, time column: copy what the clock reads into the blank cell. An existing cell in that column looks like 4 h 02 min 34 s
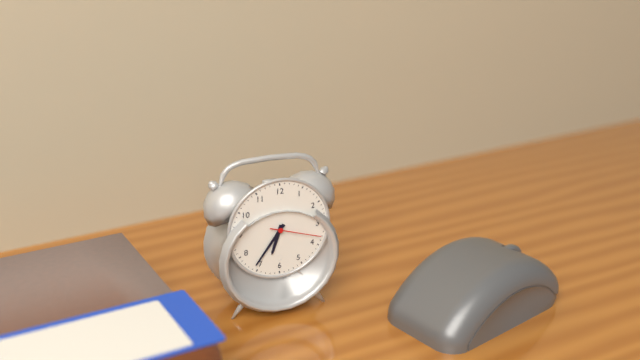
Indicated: 6 h 36 min 18 s
